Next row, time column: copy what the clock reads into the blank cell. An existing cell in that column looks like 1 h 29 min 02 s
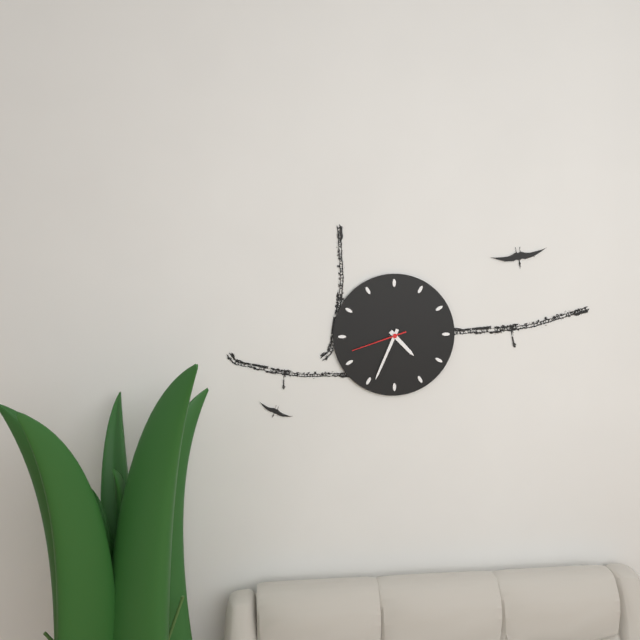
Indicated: 4 h 34 min 42 s
